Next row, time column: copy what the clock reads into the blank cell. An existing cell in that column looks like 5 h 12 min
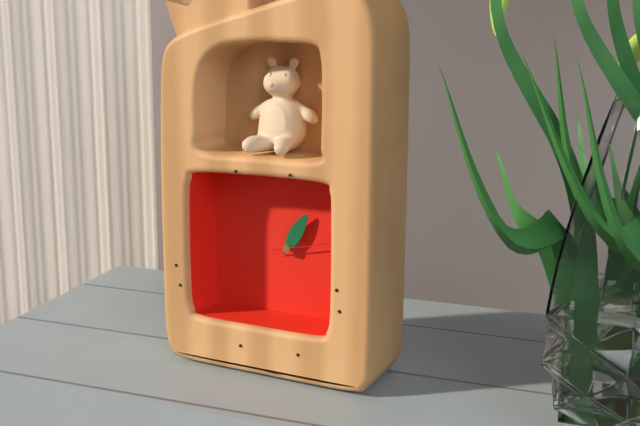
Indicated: 1 h 05 min
